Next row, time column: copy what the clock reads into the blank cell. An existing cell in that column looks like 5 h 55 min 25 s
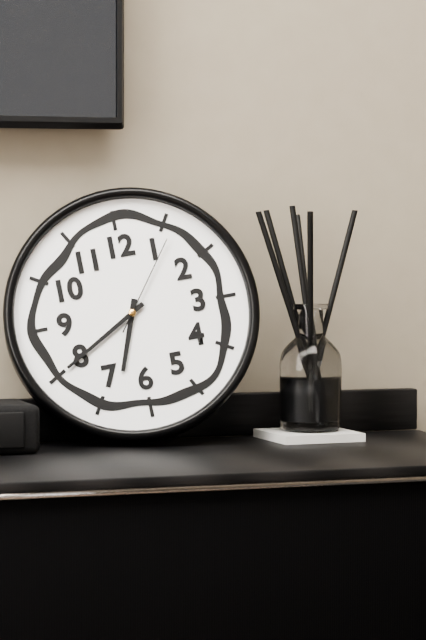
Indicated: 6 h 40 min 06 s
